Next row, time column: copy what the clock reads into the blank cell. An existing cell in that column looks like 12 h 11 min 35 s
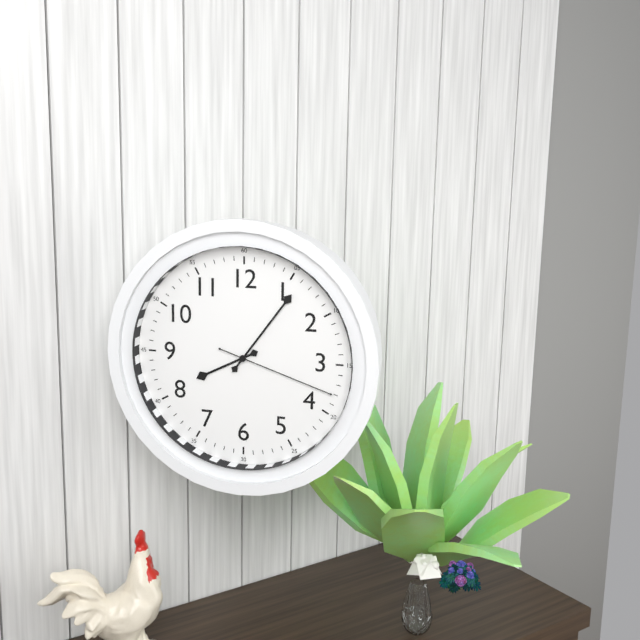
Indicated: 8 h 06 min 18 s
